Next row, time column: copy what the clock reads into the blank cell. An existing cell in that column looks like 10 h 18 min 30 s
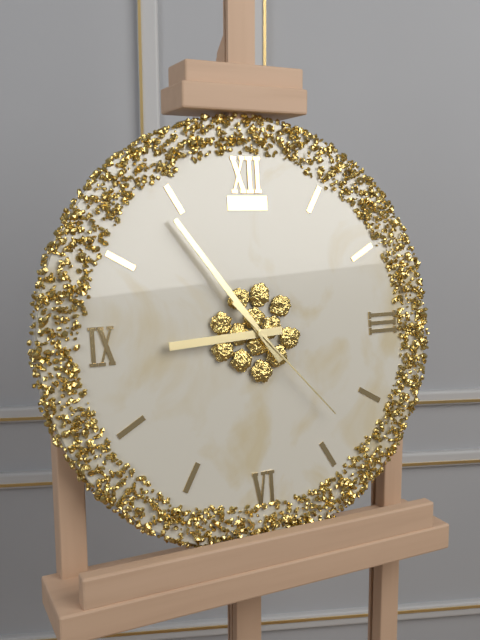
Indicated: 8 h 54 min 23 s
